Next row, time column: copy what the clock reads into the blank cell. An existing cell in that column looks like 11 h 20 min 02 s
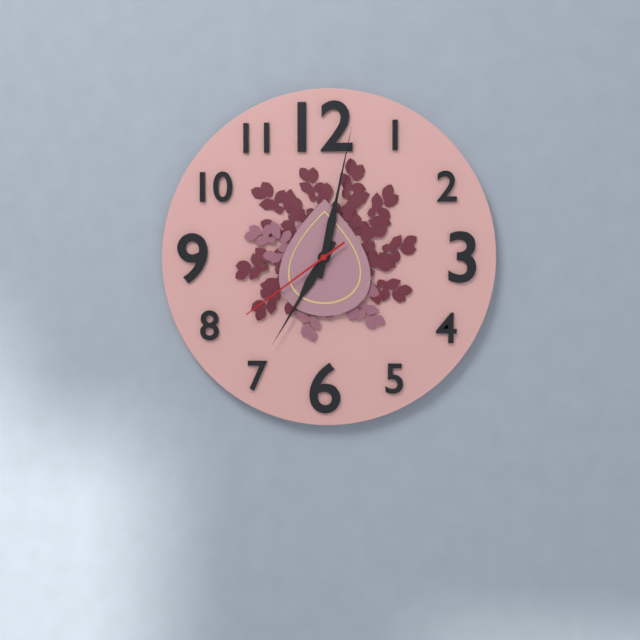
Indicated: 7 h 02 min 39 s
